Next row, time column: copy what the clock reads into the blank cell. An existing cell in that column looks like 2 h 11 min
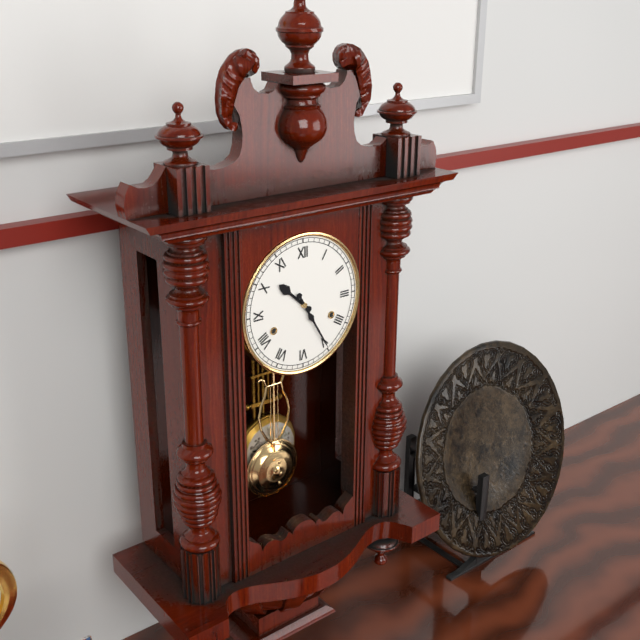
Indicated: 10 h 25 min
